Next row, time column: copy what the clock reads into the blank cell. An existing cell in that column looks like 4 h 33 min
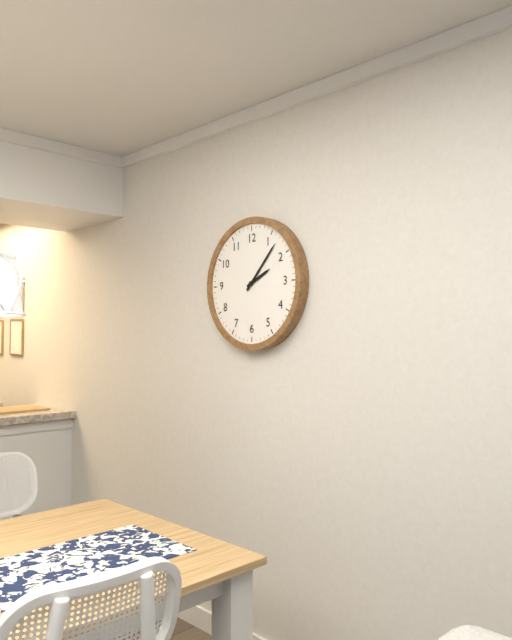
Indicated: 2 h 07 min
